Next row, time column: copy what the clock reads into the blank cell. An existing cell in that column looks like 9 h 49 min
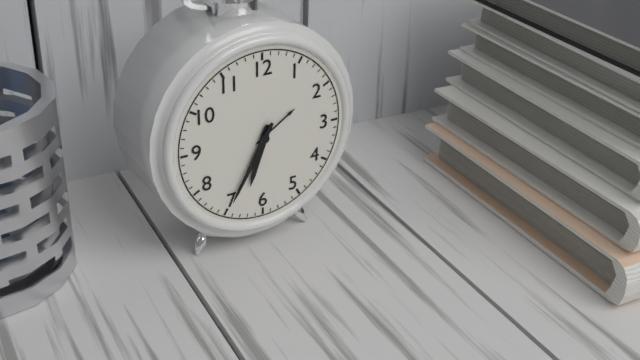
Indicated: 6 h 35 min
